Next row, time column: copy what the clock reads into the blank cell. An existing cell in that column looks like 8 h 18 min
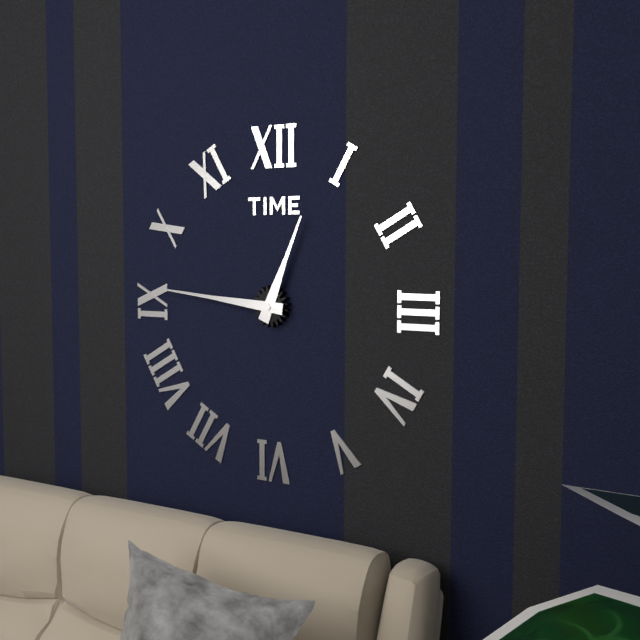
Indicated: 12 h 46 min
